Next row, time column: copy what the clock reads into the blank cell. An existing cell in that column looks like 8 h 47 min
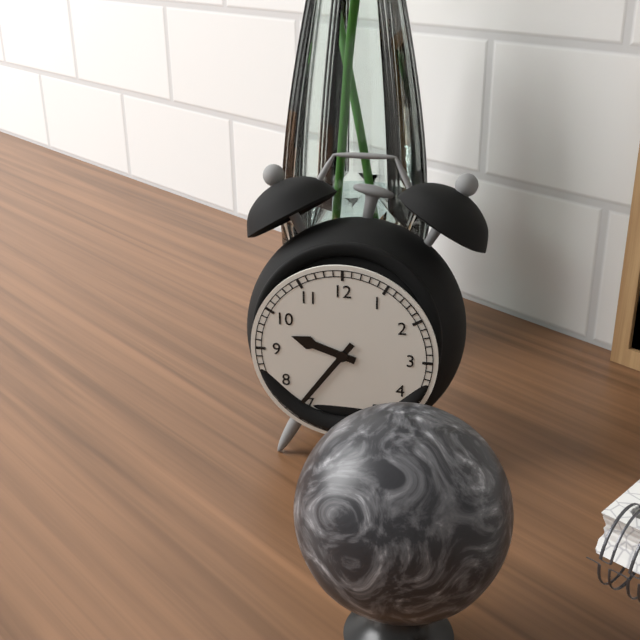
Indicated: 9 h 36 min
